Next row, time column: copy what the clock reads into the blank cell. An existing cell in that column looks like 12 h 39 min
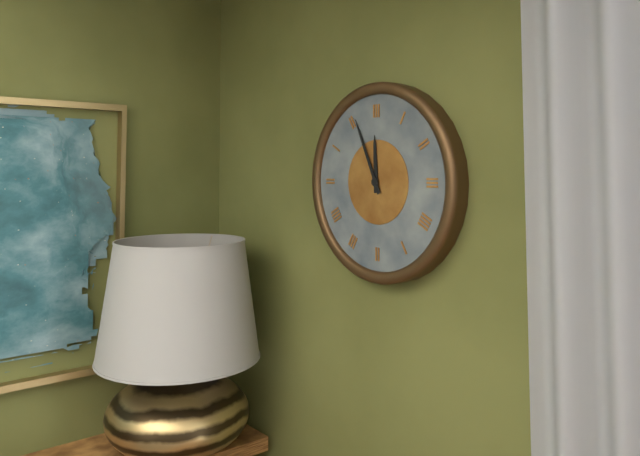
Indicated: 11 h 56 min
